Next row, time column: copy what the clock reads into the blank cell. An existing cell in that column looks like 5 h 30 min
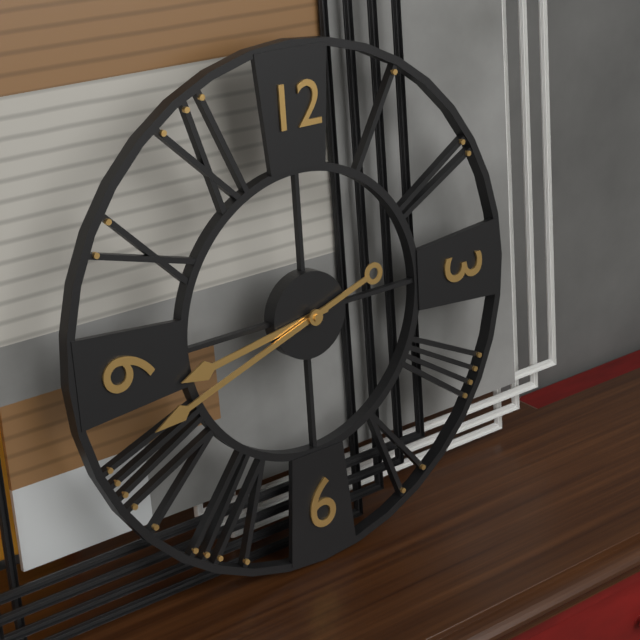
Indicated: 8 h 42 min
